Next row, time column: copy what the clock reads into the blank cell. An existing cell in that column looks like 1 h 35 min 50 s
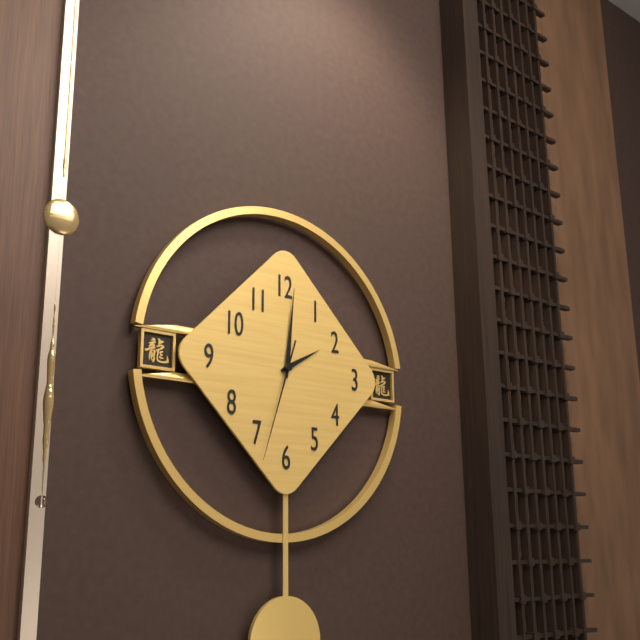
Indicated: 2 h 01 min 33 s
